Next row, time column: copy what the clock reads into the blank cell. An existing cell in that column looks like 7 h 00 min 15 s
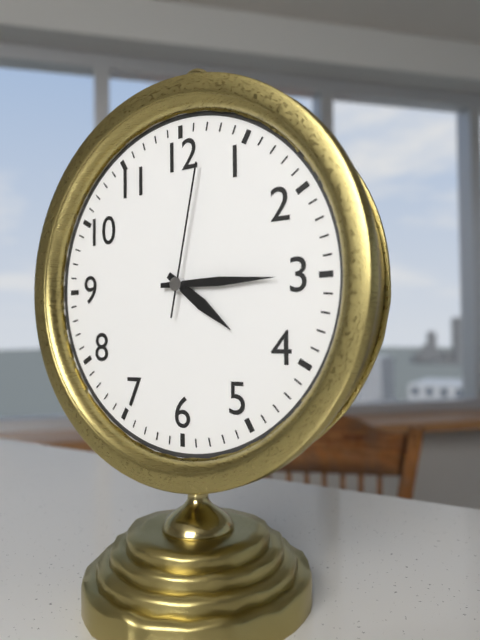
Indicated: 4 h 15 min 02 s
